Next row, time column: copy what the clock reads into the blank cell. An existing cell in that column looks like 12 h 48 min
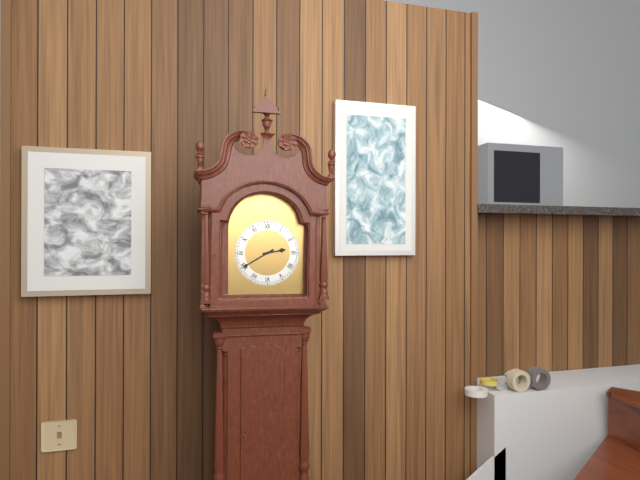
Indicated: 2 h 40 min
